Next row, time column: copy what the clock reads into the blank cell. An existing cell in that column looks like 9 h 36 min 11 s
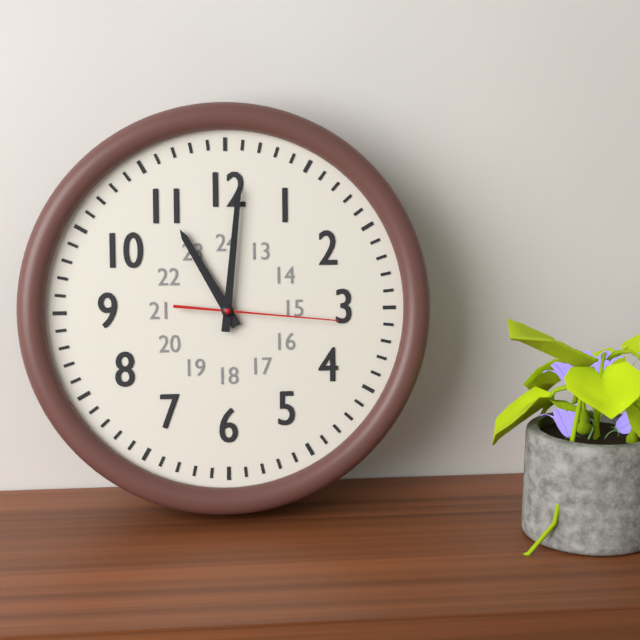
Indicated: 11 h 01 min 16 s
